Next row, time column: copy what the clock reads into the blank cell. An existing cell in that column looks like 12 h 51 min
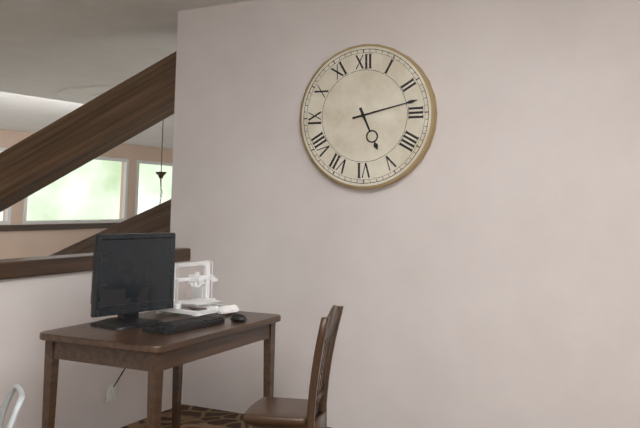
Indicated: 5 h 13 min
